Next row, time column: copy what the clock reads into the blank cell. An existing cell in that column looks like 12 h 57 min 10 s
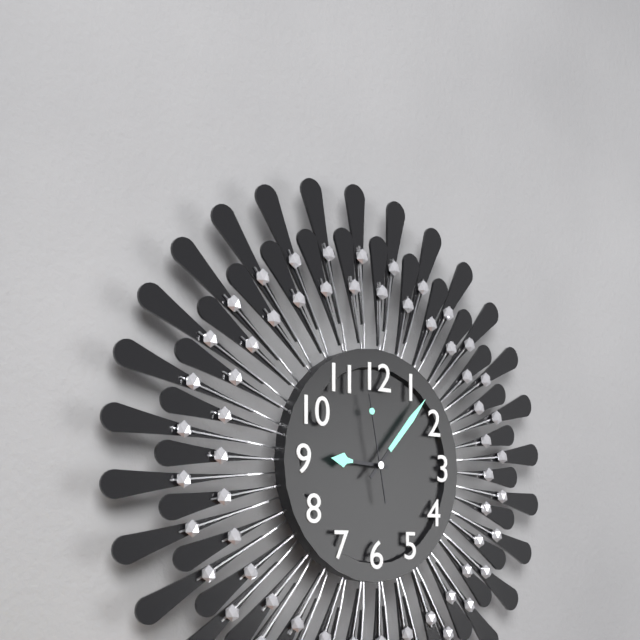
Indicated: 9 h 07 min 58 s
